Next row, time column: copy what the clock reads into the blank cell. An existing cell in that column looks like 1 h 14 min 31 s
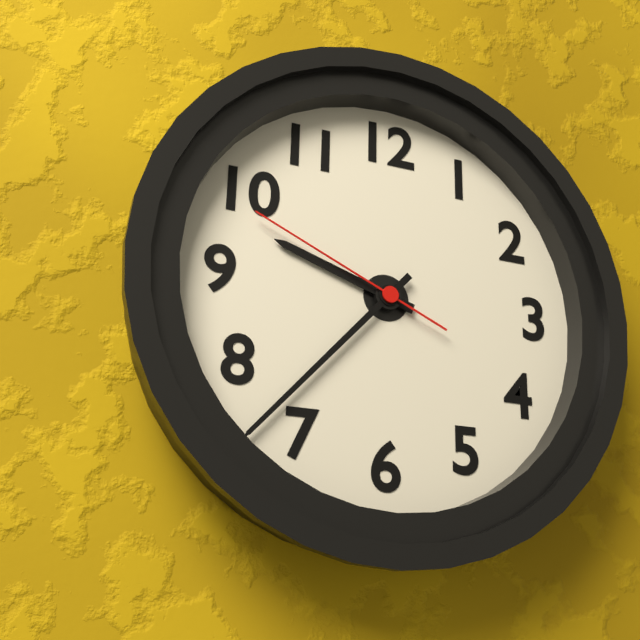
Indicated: 9 h 37 min 49 s
